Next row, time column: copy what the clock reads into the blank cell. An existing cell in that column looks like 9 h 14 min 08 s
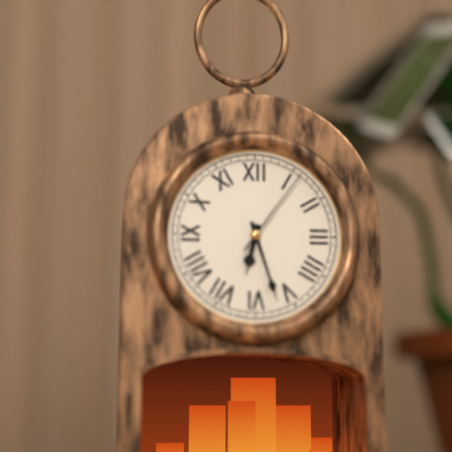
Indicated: 6 h 27 min 06 s
